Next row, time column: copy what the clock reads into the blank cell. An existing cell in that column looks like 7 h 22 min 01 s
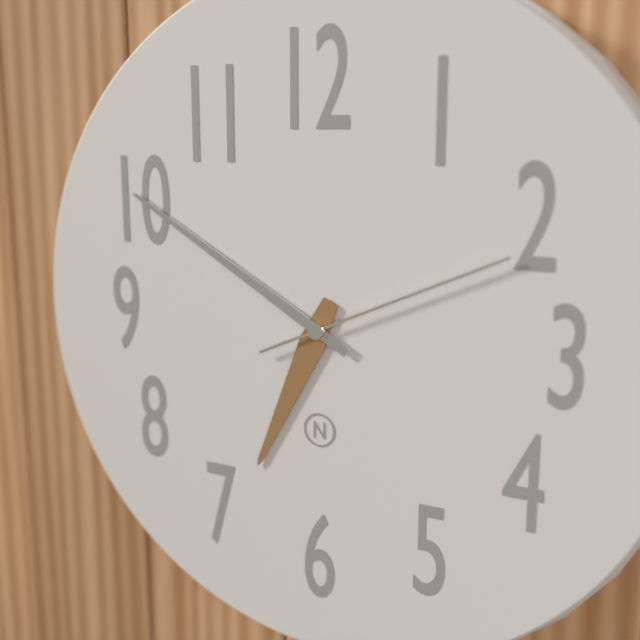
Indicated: 6 h 50 min 11 s
